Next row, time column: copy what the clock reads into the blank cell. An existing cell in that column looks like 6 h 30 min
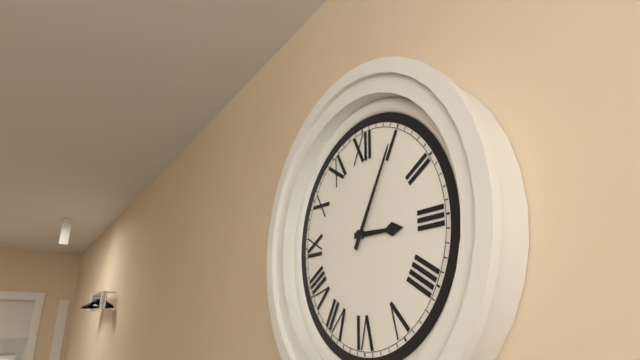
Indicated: 3 h 05 min
